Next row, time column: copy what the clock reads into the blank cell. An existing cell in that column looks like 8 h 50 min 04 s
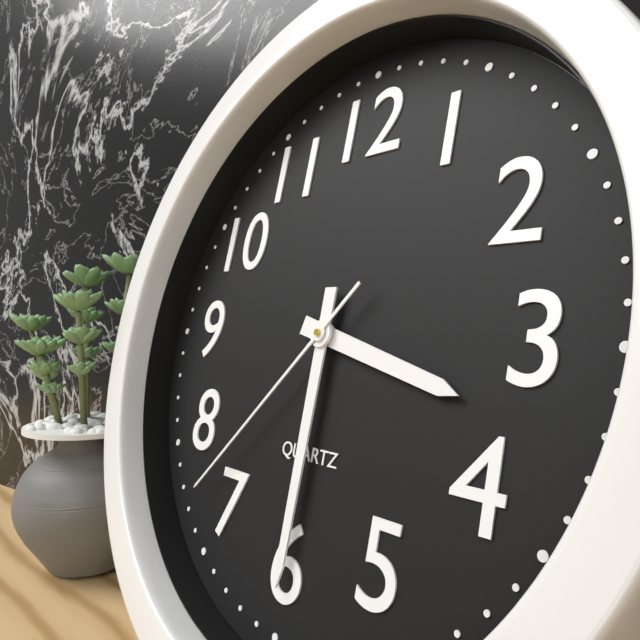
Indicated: 3 h 30 min 37 s
